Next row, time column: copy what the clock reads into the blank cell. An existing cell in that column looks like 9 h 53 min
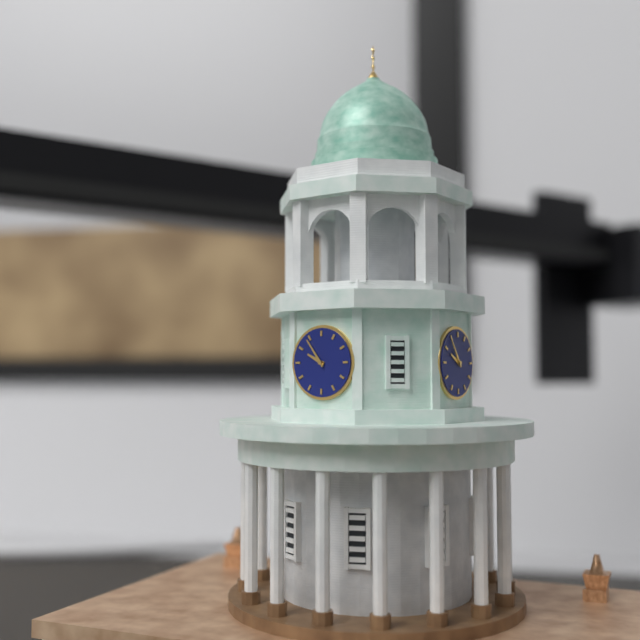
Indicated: 9 h 54 min
